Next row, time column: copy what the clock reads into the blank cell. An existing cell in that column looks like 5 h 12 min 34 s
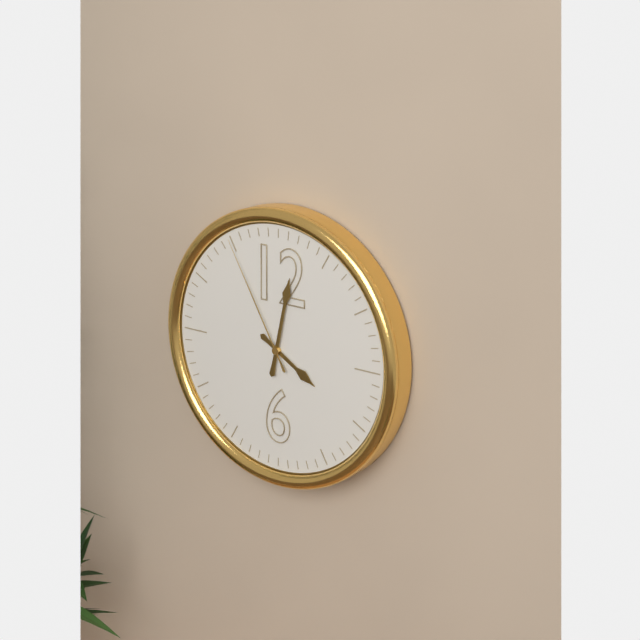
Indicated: 4 h 02 min 55 s
